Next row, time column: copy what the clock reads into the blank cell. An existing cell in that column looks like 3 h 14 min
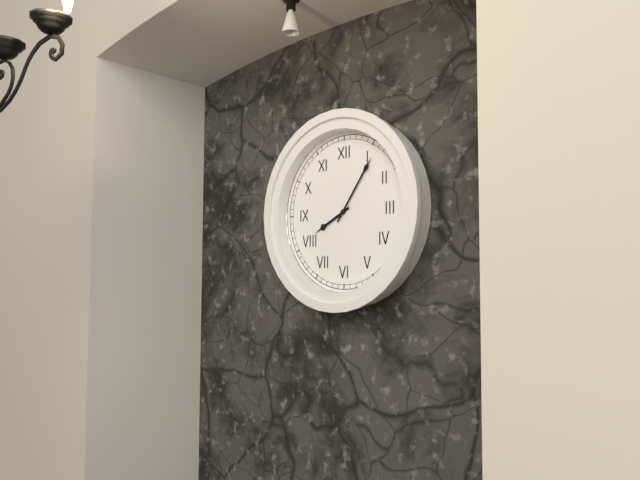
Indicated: 8 h 06 min
